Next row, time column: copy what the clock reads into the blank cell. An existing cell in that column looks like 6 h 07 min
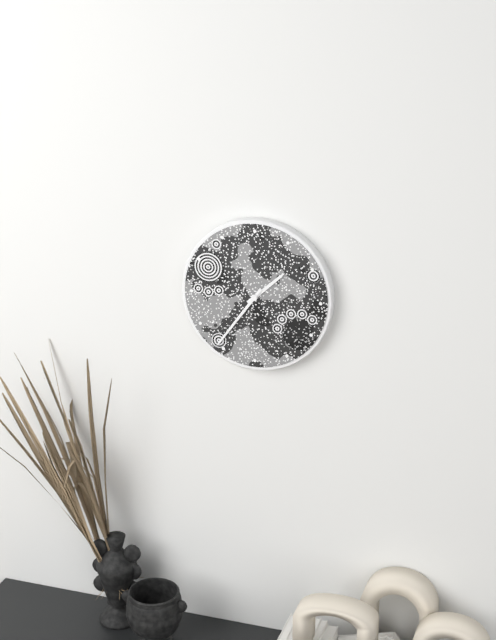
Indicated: 1 h 36 min
